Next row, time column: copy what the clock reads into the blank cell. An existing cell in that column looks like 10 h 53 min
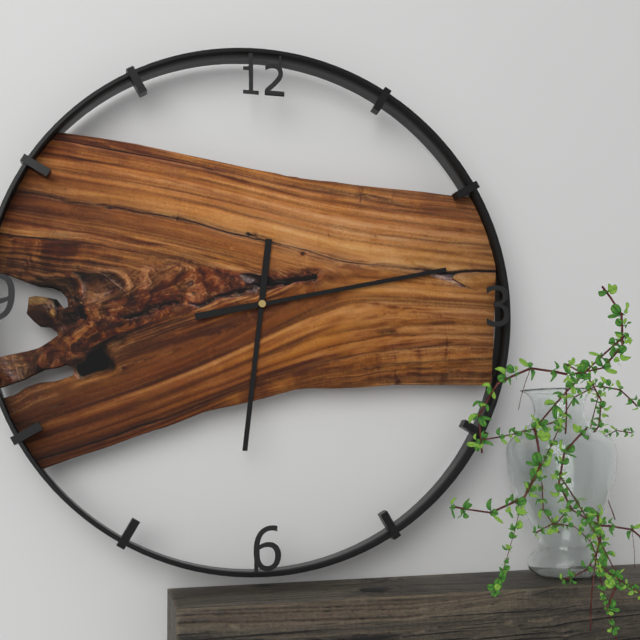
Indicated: 6 h 13 min
